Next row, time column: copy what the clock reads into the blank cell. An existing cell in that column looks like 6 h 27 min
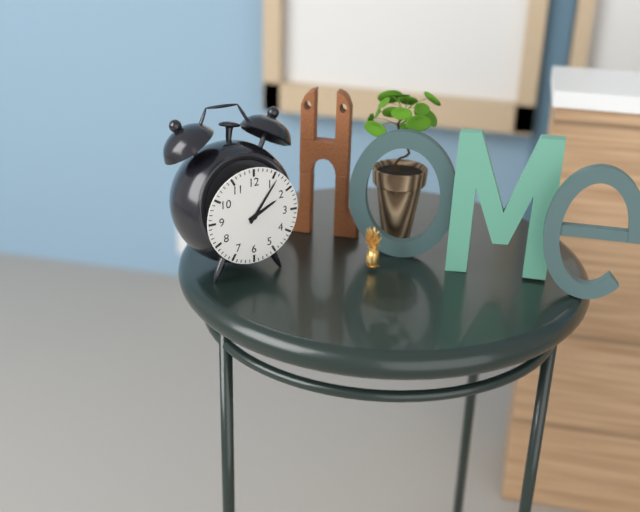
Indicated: 2 h 06 min
